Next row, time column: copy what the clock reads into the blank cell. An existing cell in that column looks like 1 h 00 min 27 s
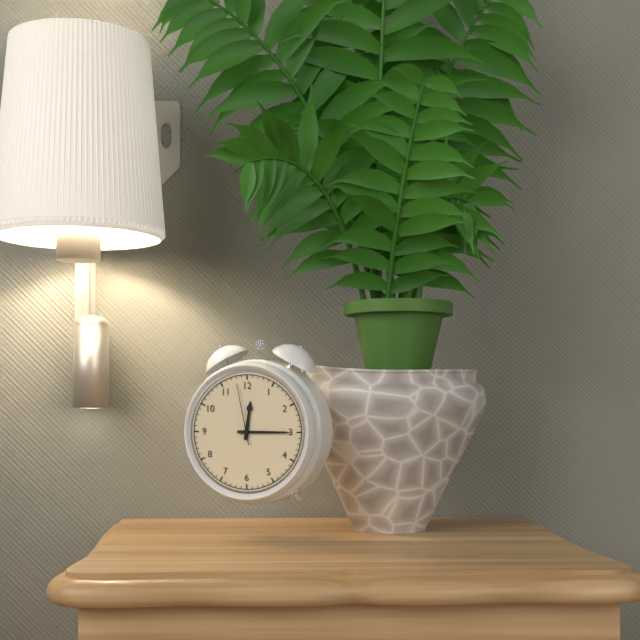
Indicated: 12 h 15 min 58 s
